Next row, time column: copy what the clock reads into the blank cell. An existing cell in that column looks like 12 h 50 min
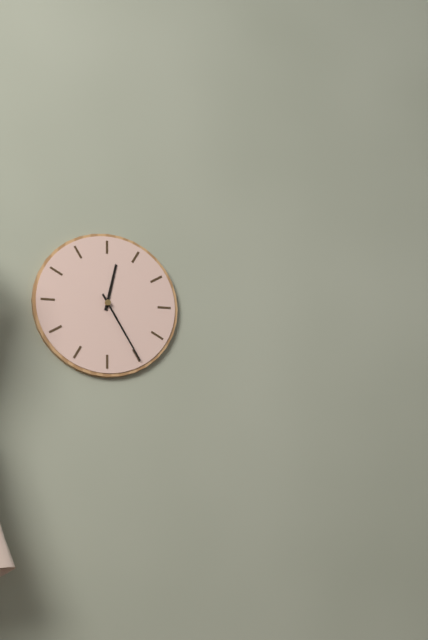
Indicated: 12 h 25 min
